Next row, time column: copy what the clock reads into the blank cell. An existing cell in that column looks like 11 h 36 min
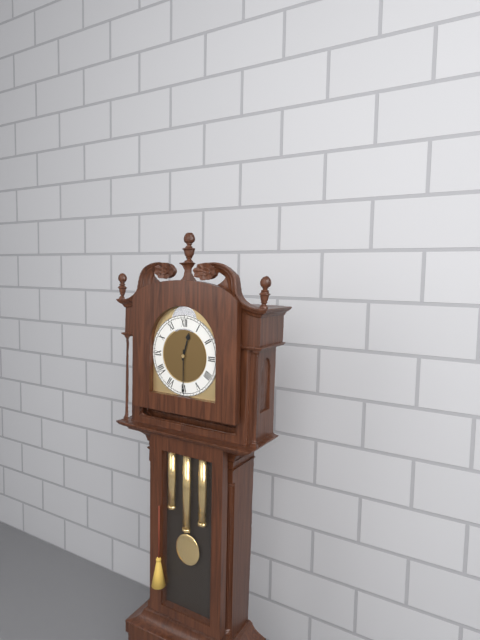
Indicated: 12 h 30 min
